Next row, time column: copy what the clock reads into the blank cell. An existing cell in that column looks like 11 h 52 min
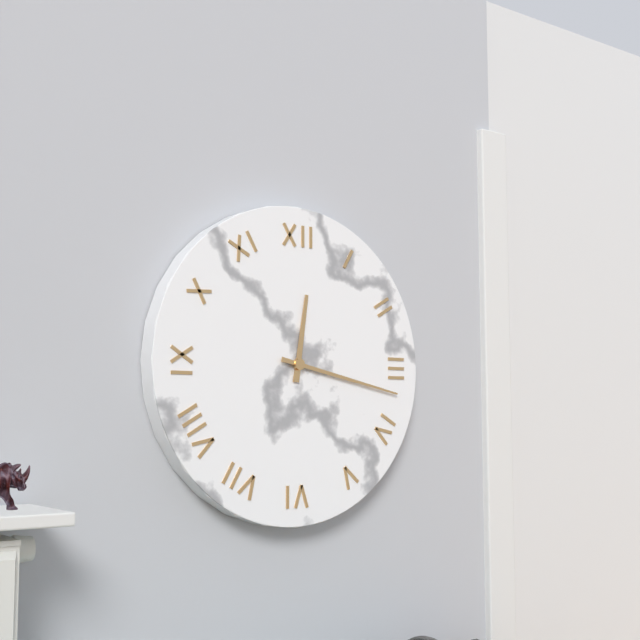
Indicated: 12 h 17 min
